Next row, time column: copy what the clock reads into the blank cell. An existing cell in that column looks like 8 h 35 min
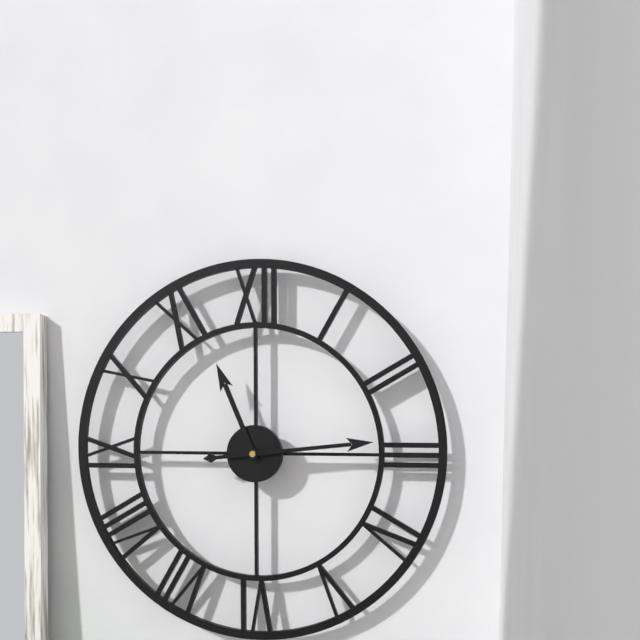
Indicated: 11 h 14 min
